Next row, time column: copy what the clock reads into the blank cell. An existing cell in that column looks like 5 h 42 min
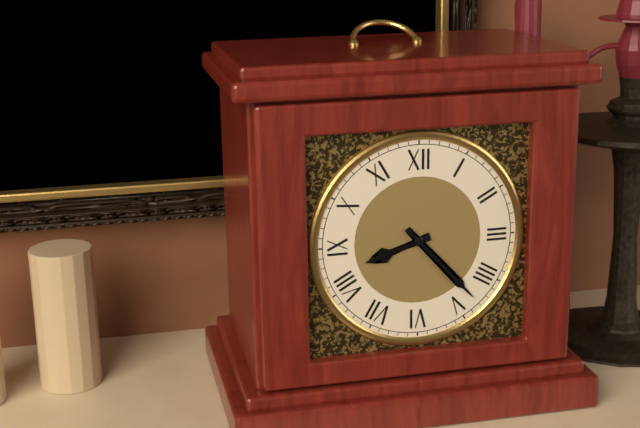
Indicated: 8 h 23 min
